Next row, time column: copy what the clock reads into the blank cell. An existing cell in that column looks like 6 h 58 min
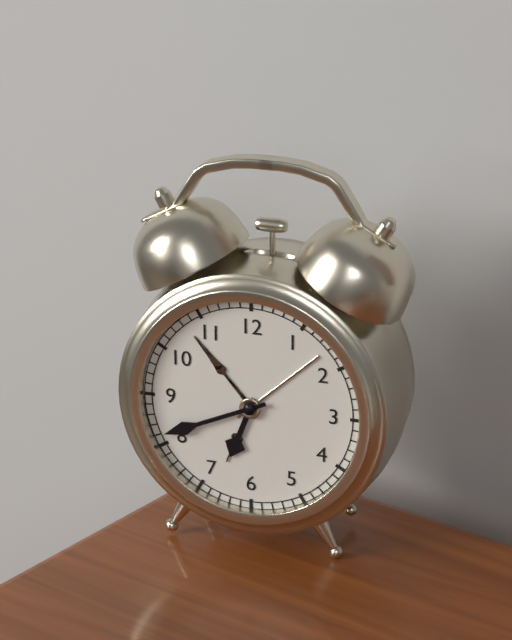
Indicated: 6 h 41 min
